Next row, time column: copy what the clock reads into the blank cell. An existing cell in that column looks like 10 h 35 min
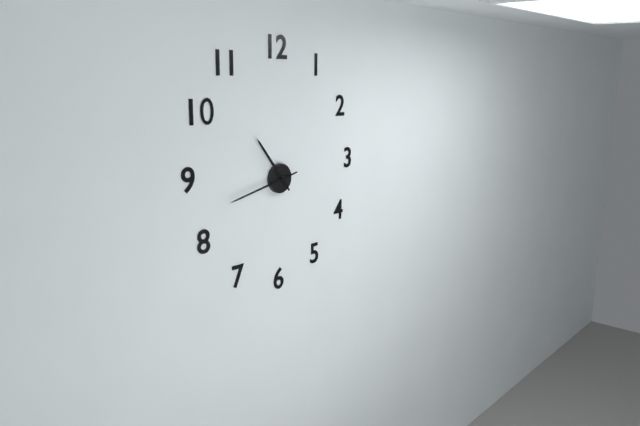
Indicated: 10 h 43 min
